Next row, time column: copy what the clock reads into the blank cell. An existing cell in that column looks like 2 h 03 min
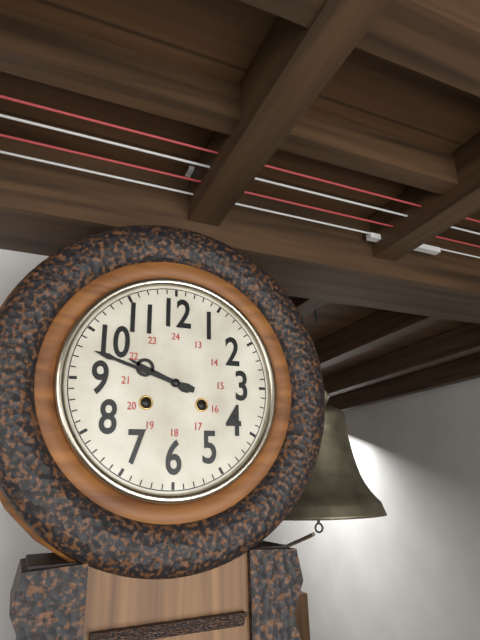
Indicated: 9 h 48 min
